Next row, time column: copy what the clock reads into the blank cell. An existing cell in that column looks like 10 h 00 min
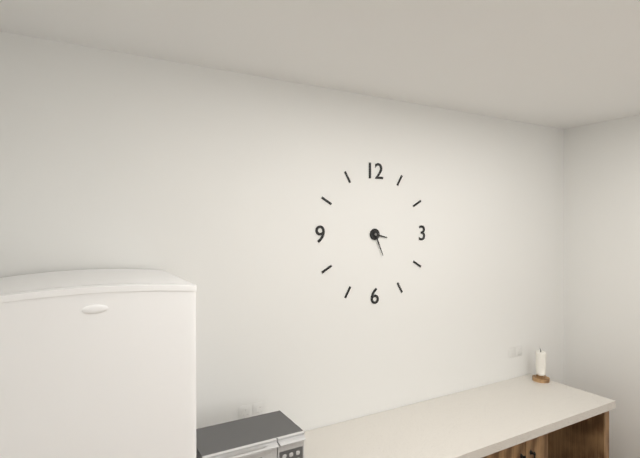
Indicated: 3 h 26 min
